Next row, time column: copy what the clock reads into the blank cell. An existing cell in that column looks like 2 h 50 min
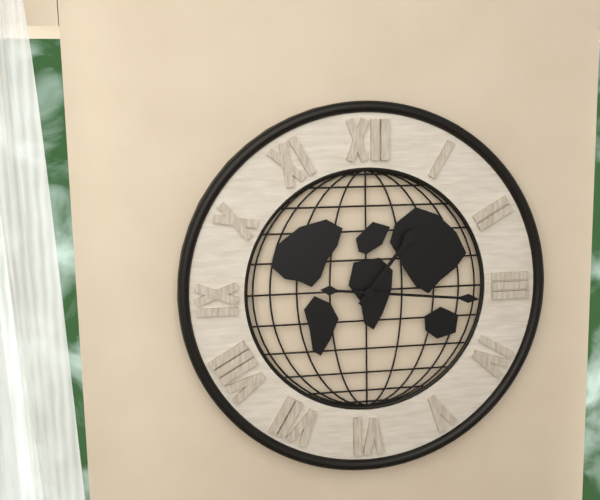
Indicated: 1 h 16 min
